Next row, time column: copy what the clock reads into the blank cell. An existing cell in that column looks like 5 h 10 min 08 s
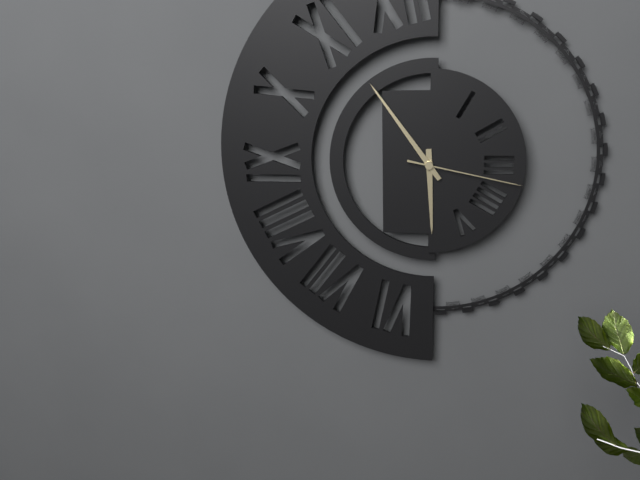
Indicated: 5 h 54 min 17 s
